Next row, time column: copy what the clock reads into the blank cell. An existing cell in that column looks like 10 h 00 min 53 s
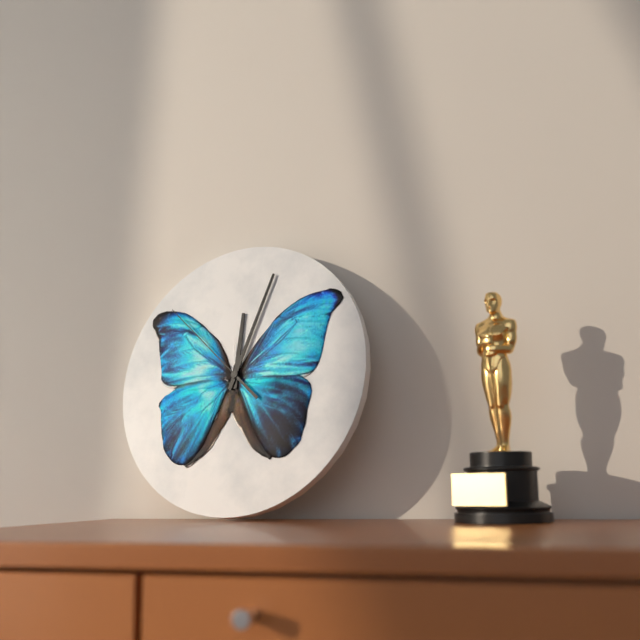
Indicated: 12 h 03 min 52 s
